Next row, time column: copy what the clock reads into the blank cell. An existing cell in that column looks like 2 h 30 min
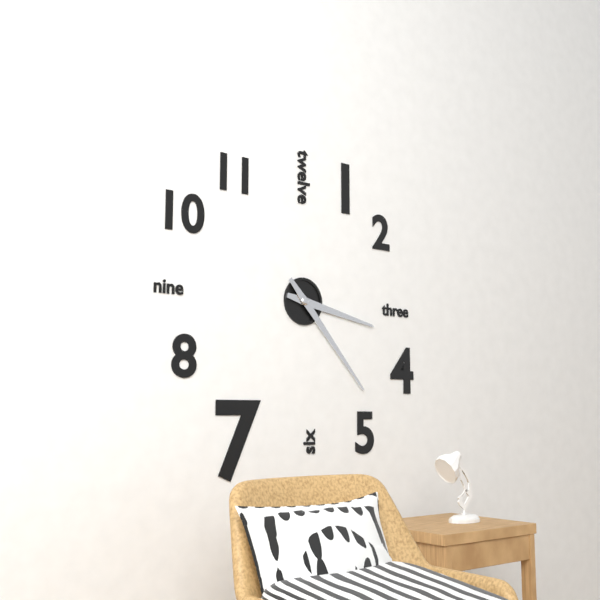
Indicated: 3 h 23 min
